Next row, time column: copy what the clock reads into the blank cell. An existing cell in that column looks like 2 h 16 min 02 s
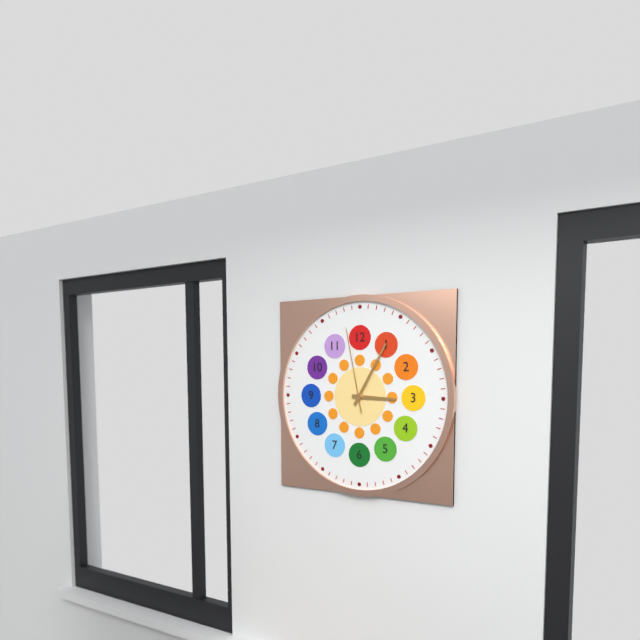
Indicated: 3 h 05 min 58 s
